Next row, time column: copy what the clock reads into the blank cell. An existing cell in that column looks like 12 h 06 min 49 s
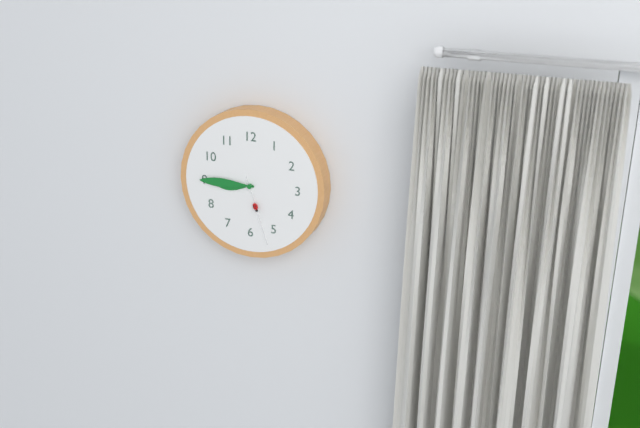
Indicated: 8 h 45 min 27 s
